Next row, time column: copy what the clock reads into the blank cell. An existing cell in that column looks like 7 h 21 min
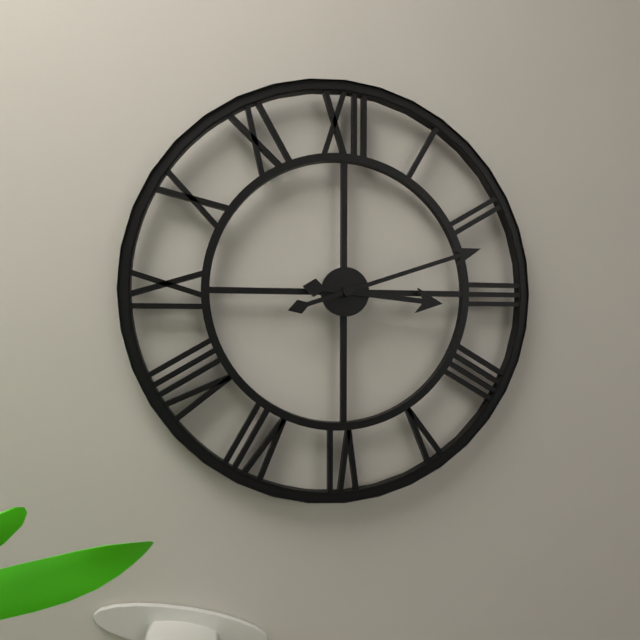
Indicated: 3 h 12 min
